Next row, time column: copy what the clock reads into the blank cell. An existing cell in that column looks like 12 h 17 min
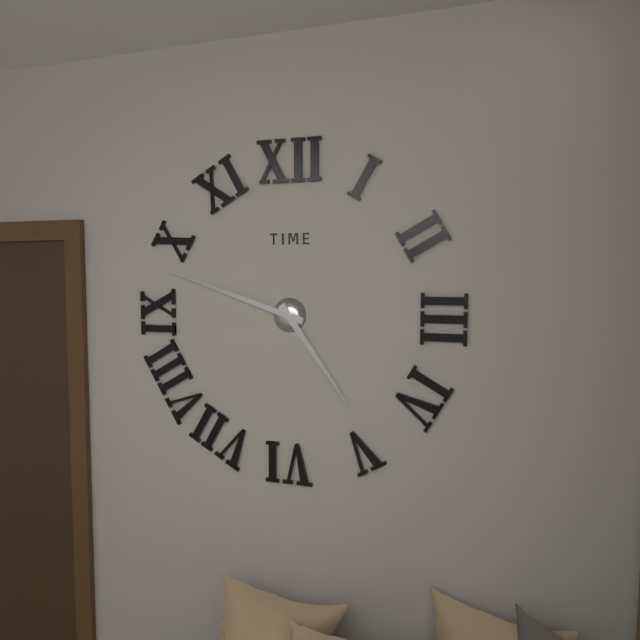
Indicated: 4 h 48 min
